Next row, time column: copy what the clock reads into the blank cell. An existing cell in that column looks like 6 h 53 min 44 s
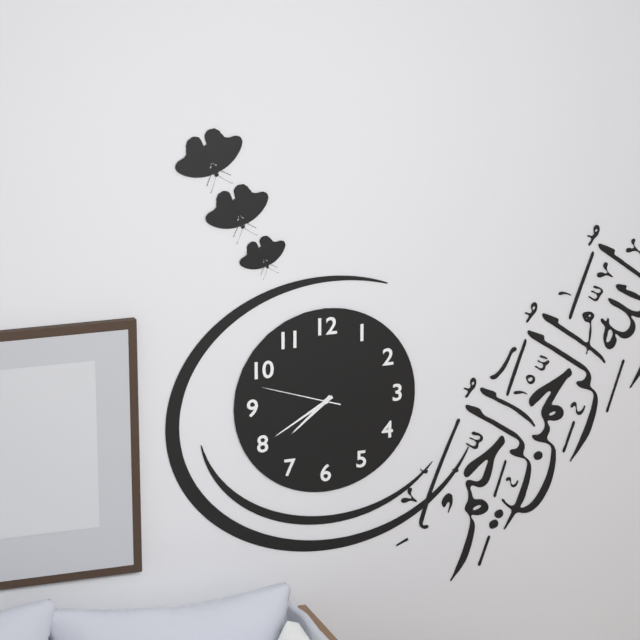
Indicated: 7 h 40 min 48 s
